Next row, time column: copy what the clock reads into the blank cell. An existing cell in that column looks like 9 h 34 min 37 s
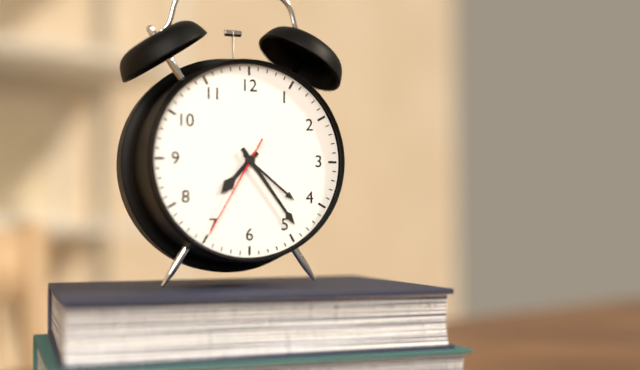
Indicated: 7 h 24 min 35 s
